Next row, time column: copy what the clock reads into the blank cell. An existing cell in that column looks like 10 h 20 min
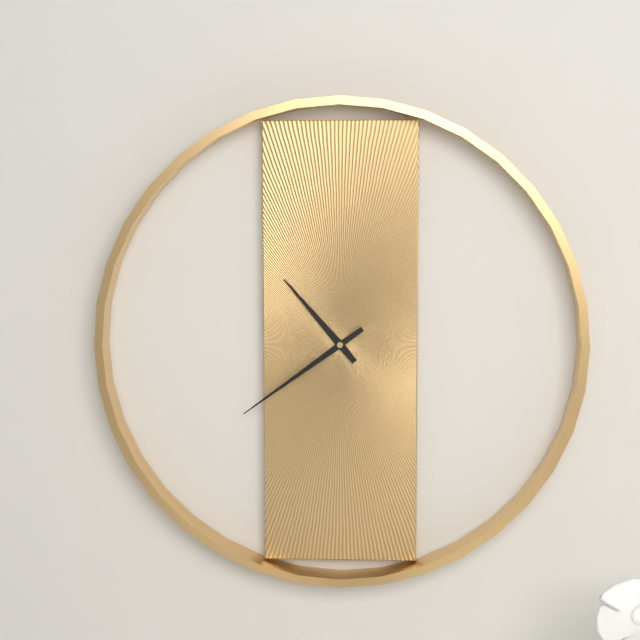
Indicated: 10 h 39 min
